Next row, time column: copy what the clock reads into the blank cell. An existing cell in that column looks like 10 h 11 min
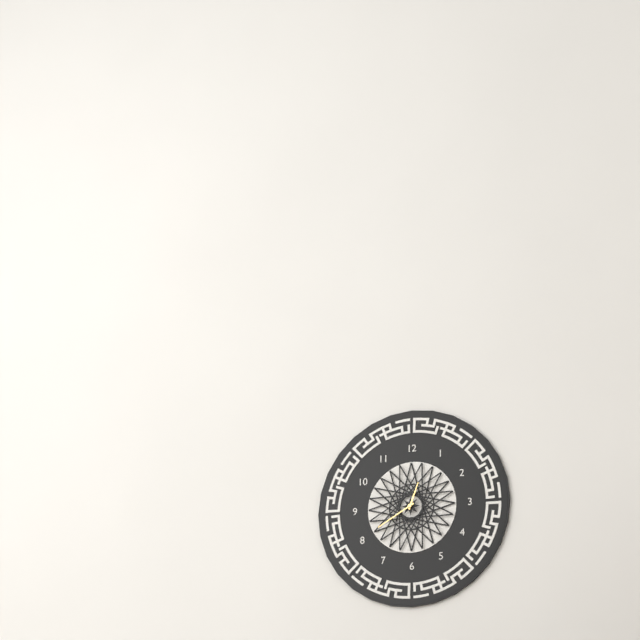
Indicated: 12 h 40 min
